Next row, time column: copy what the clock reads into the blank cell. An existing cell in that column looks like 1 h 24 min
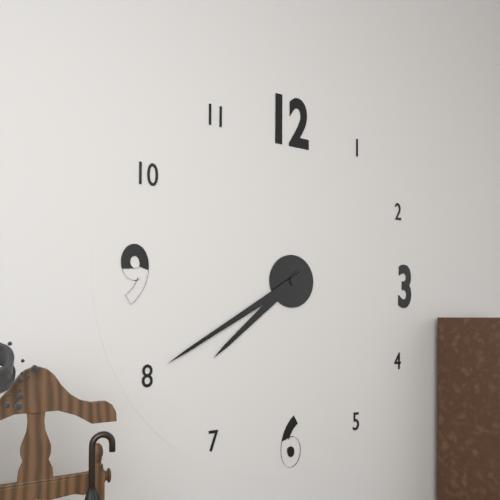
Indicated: 7 h 40 min
